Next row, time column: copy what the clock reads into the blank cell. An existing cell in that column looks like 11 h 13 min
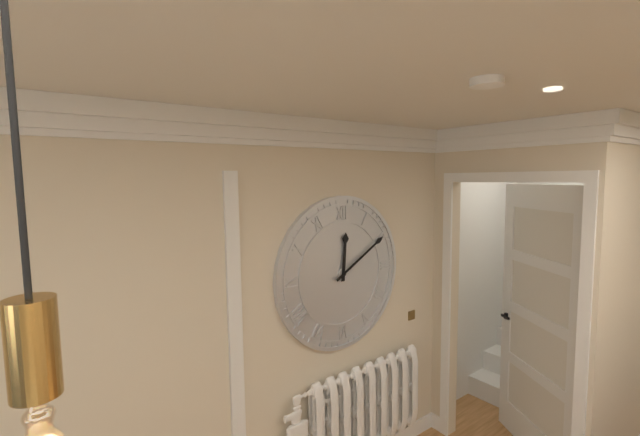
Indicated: 12 h 10 min
